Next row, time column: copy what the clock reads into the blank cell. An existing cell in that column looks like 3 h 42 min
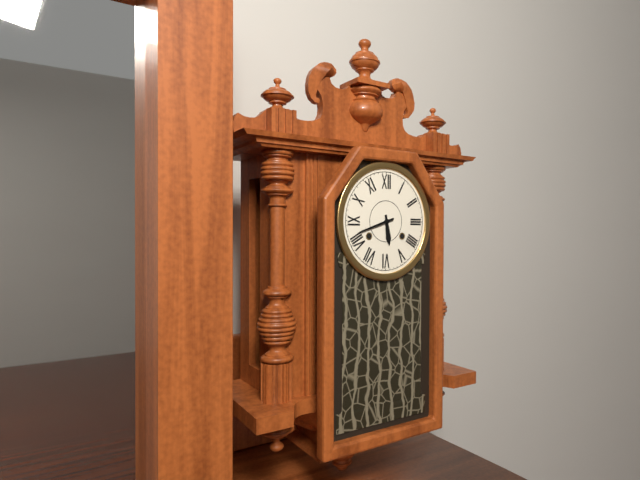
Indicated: 5 h 42 min
